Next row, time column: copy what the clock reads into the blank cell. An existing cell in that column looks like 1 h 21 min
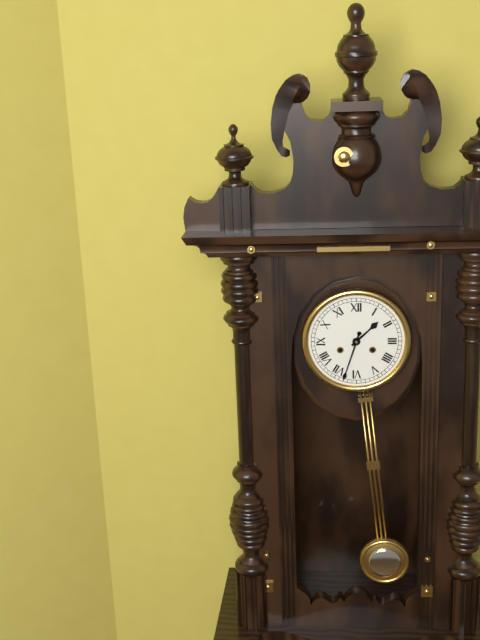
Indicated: 1 h 33 min
